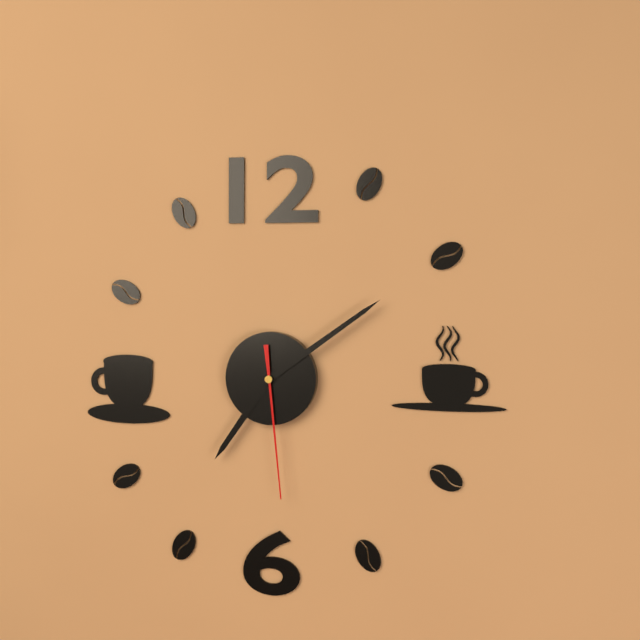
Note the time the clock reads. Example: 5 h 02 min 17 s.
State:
7 h 09 min 29 s
